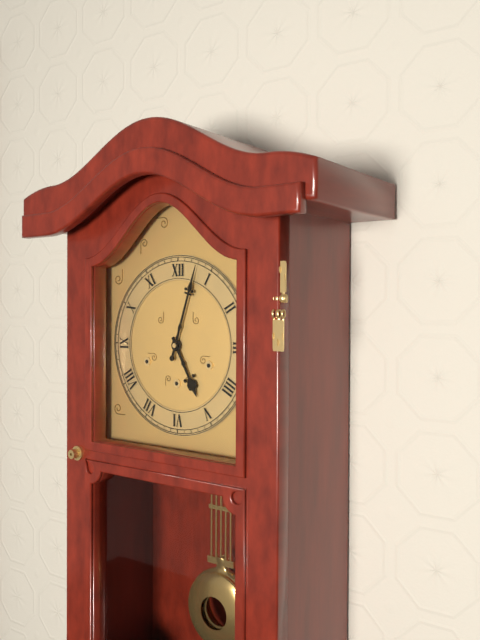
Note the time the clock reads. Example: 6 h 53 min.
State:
5 h 03 min
